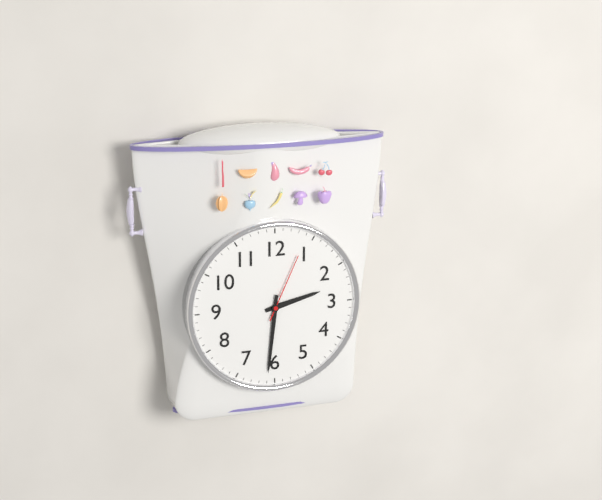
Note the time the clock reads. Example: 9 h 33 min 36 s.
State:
2 h 31 min 04 s
